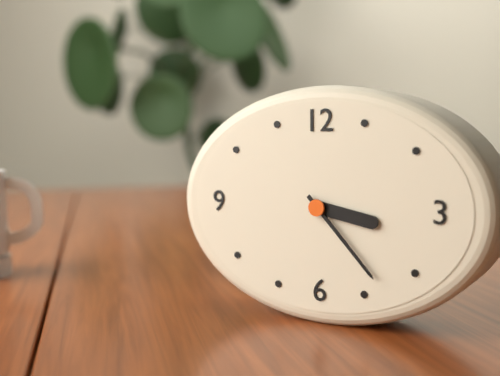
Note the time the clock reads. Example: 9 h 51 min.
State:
3 h 23 min
